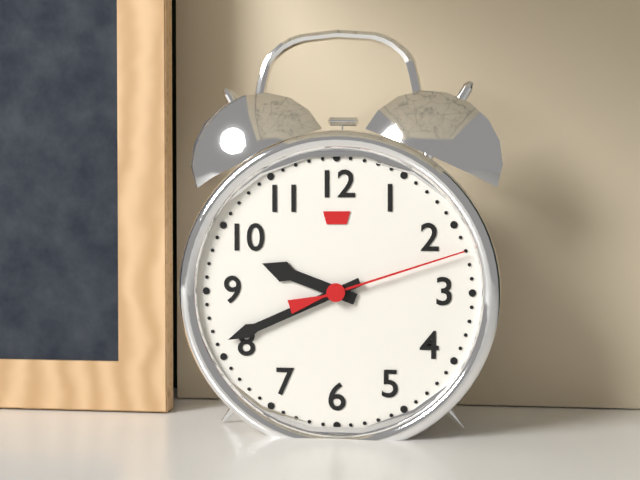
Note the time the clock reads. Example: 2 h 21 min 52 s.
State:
9 h 41 min 12 s
